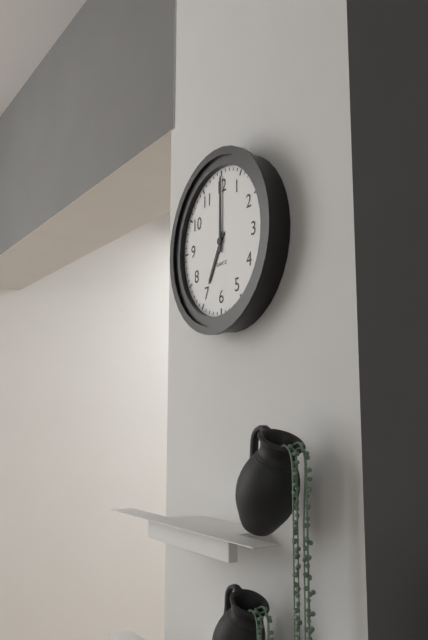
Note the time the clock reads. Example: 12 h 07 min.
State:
7 h 00 min
